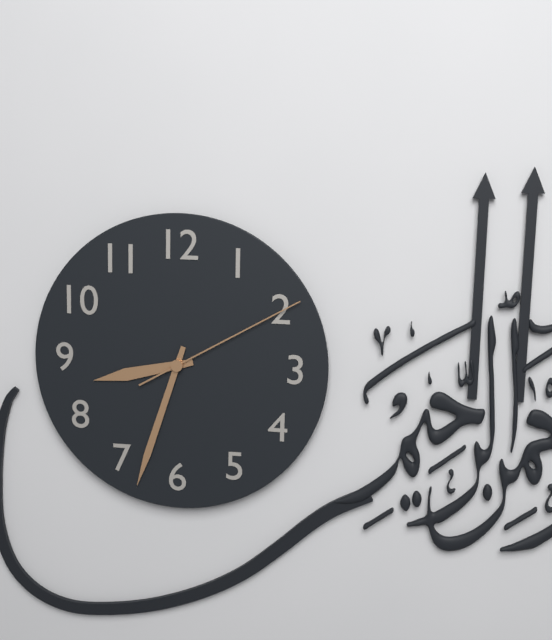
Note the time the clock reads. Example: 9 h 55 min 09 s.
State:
8 h 33 min 10 s
